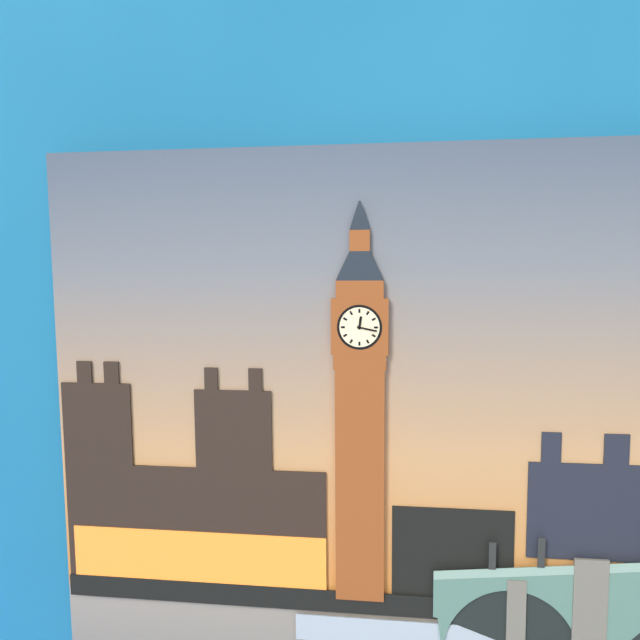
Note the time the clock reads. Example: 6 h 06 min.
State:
12 h 17 min
